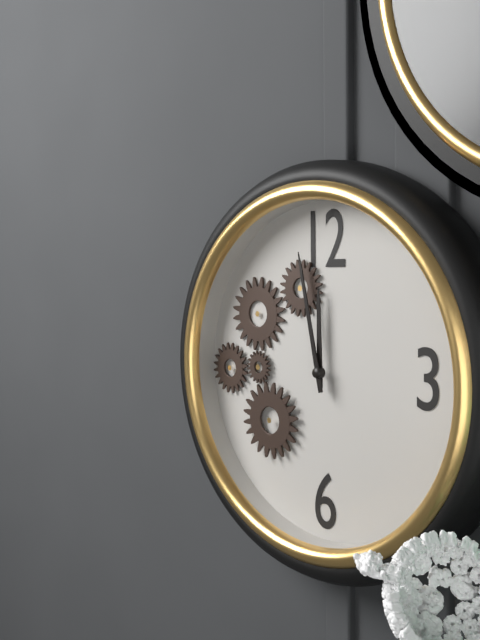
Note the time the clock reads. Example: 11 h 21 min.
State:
11 h 58 min
